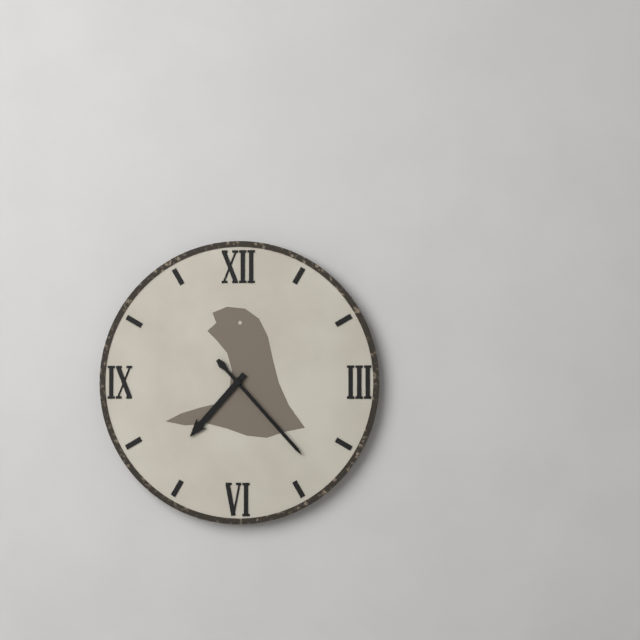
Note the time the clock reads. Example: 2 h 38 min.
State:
7 h 23 min
